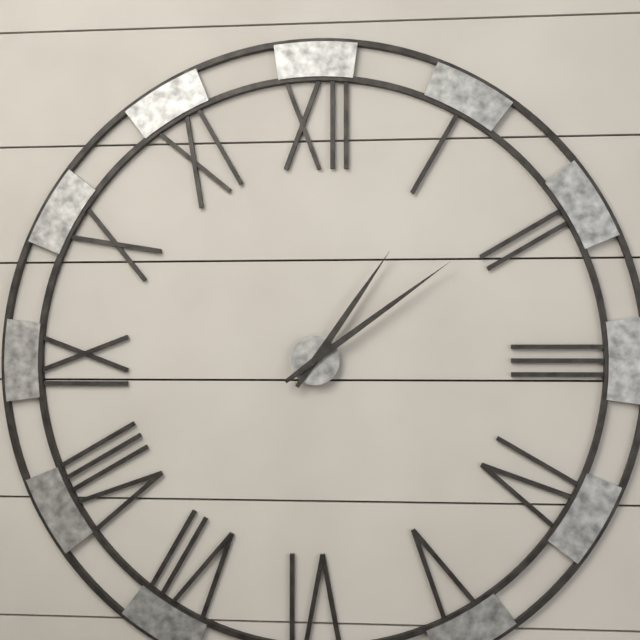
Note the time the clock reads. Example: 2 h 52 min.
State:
1 h 09 min
